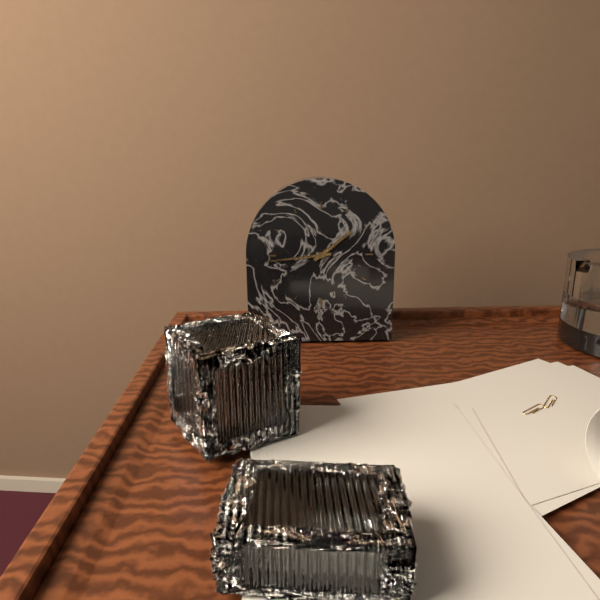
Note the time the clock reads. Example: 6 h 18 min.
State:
1 h 44 min
